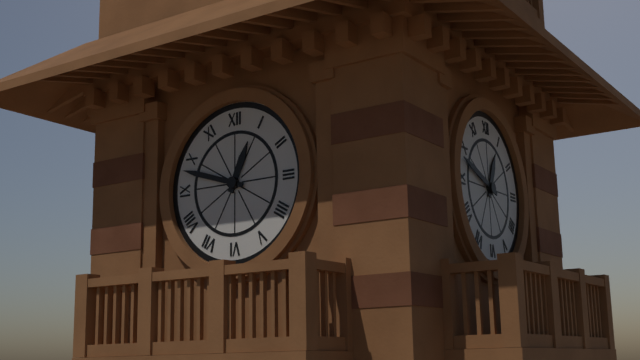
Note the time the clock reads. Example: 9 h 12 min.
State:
12 h 48 min
